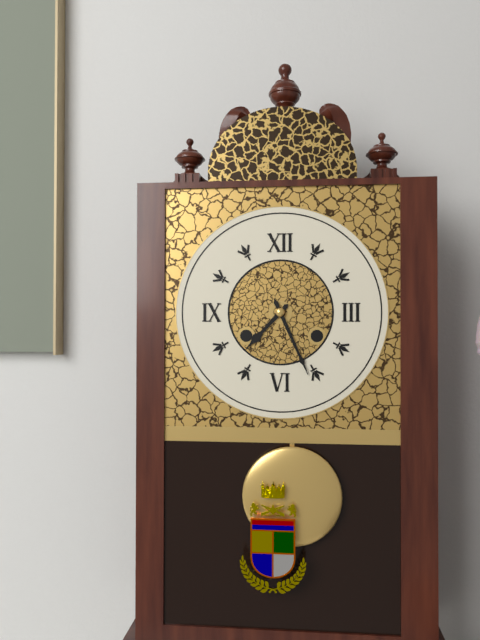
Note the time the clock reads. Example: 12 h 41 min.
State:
7 h 26 min
